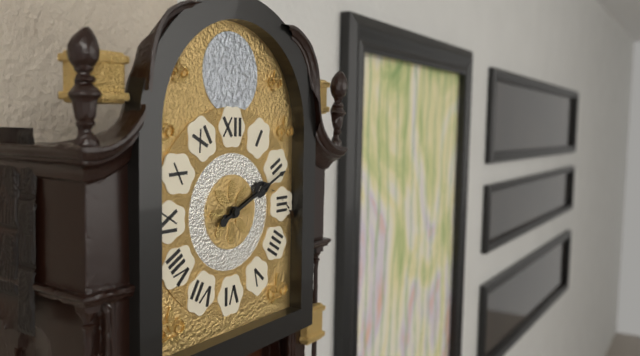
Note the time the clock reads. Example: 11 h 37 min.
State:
2 h 11 min
